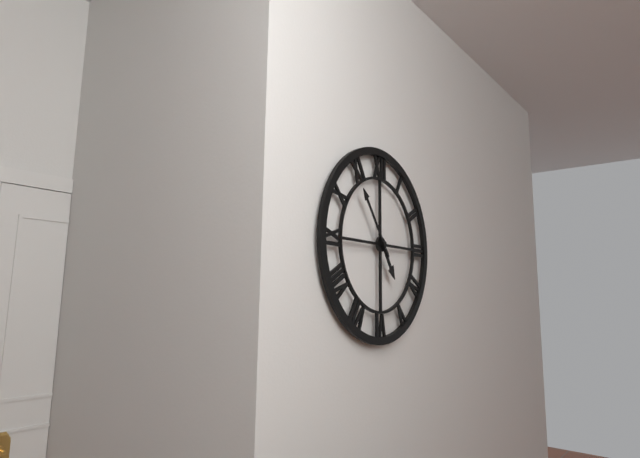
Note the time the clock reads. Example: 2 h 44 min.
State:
4 h 54 min
